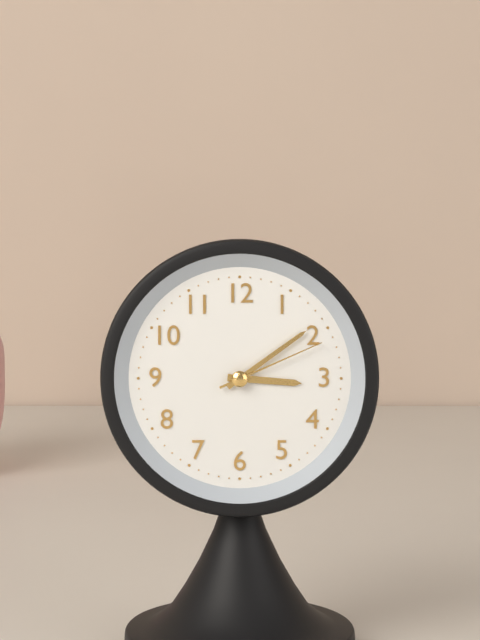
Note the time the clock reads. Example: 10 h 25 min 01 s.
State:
3 h 09 min 11 s
